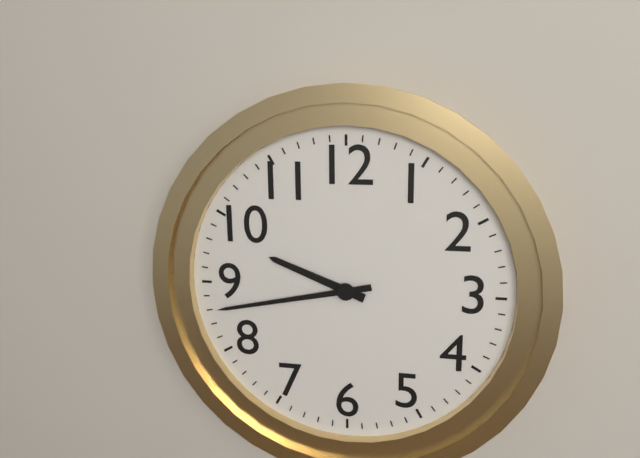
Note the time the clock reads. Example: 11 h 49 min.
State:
9 h 43 min
